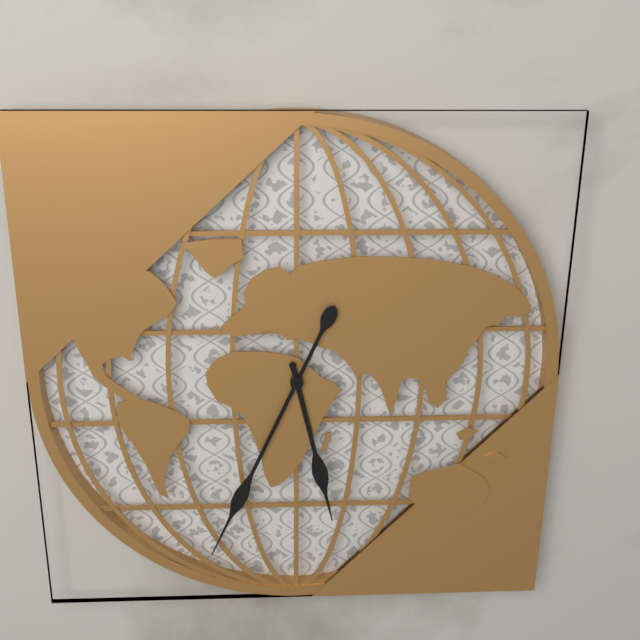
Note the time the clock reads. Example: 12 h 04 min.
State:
5 h 34 min
